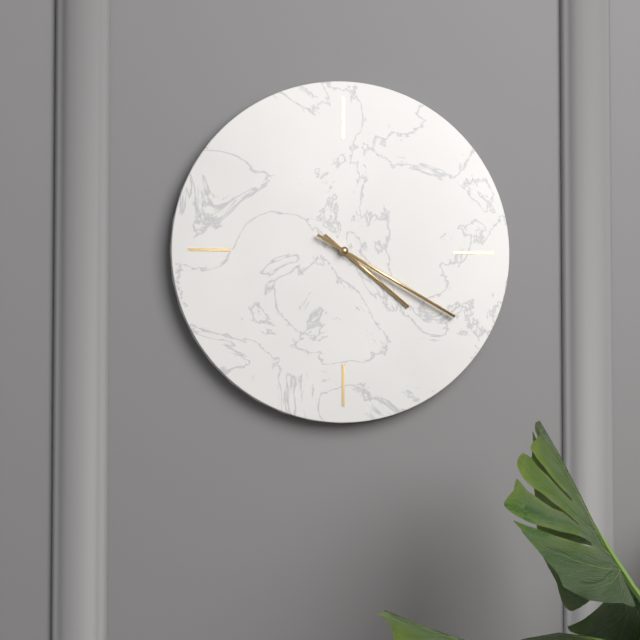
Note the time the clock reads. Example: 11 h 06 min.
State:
4 h 20 min
